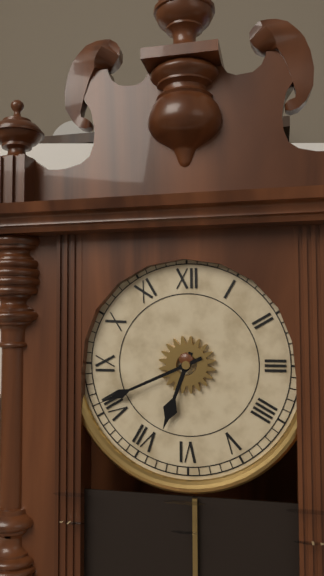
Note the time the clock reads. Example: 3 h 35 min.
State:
6 h 41 min
